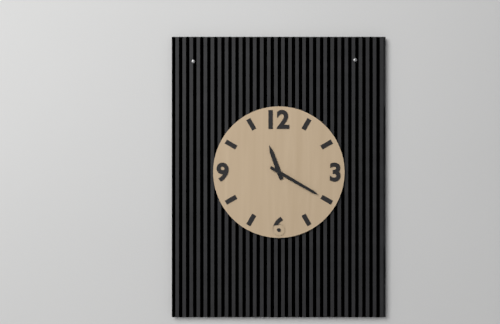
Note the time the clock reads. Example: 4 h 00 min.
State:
11 h 20 min
